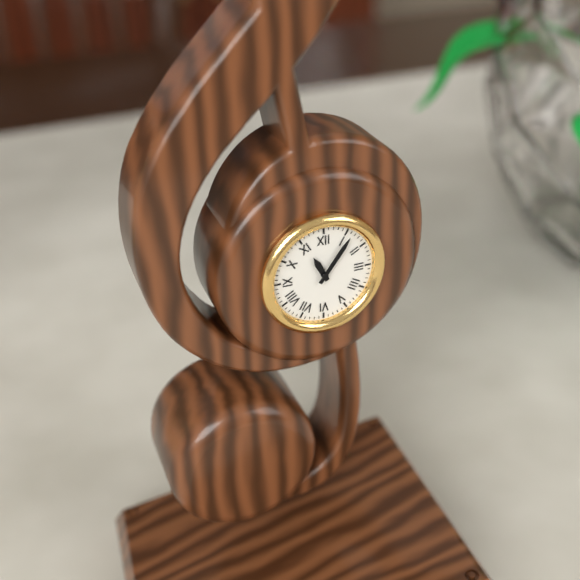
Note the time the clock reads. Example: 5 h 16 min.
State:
11 h 06 min
